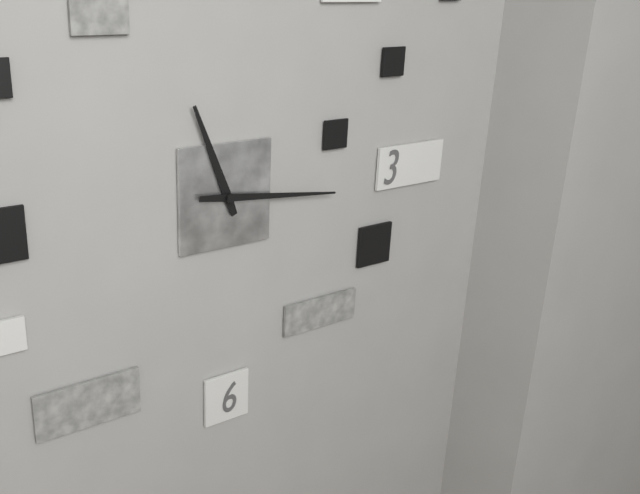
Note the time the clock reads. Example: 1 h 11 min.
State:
11 h 16 min
